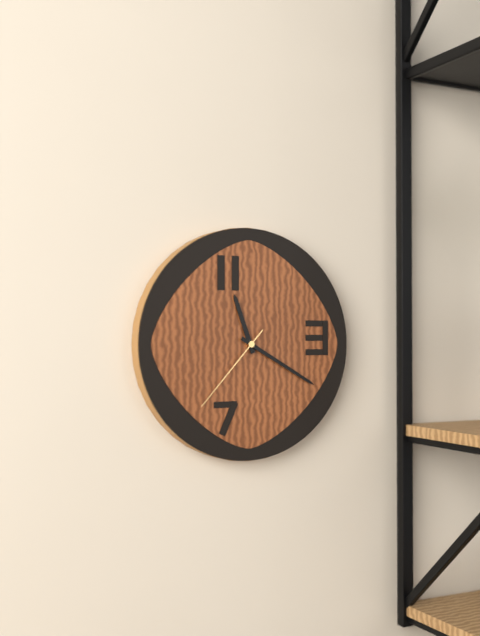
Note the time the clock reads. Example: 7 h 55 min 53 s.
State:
11 h 20 min 37 s
